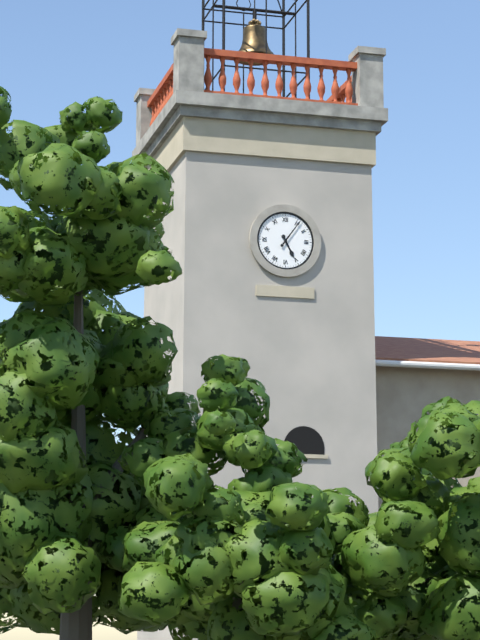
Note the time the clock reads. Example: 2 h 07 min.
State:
5 h 06 min
